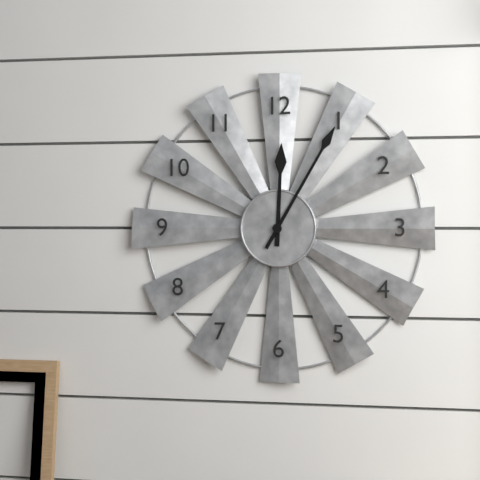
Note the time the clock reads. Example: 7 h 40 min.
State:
12 h 05 min
